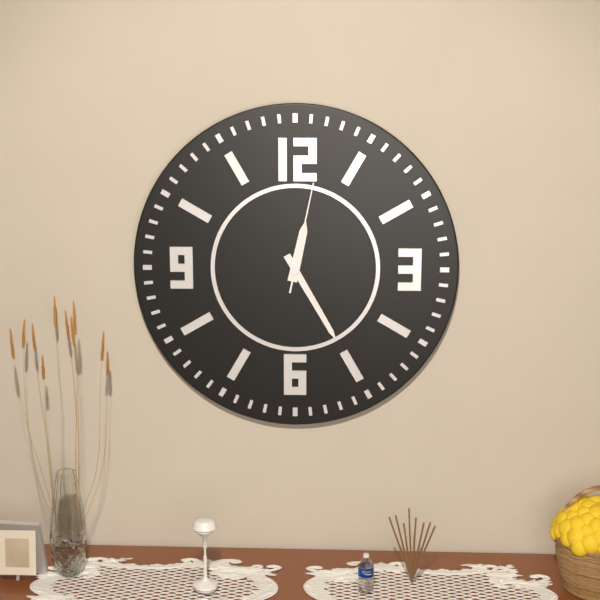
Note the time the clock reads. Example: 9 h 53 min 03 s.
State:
12 h 25 min 02 s
